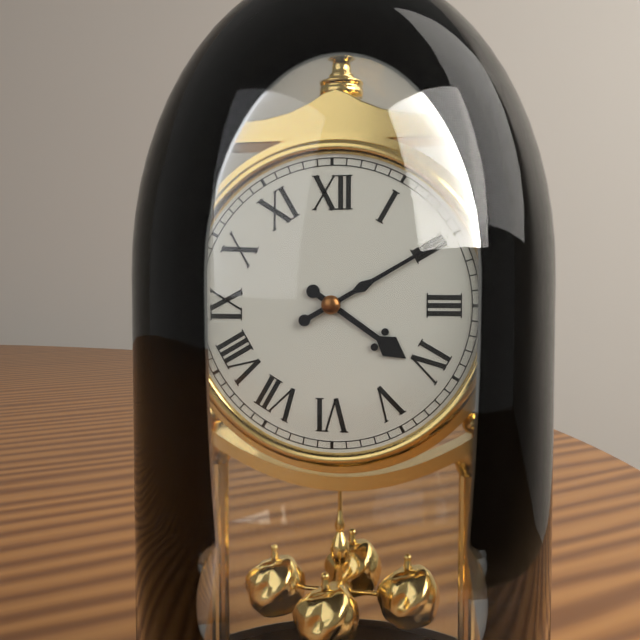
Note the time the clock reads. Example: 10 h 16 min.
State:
4 h 10 min
